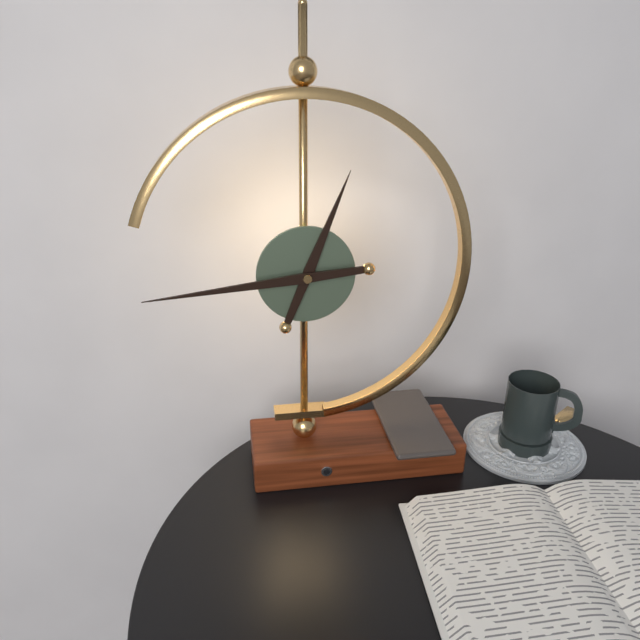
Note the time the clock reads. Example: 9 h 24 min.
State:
12 h 44 min
